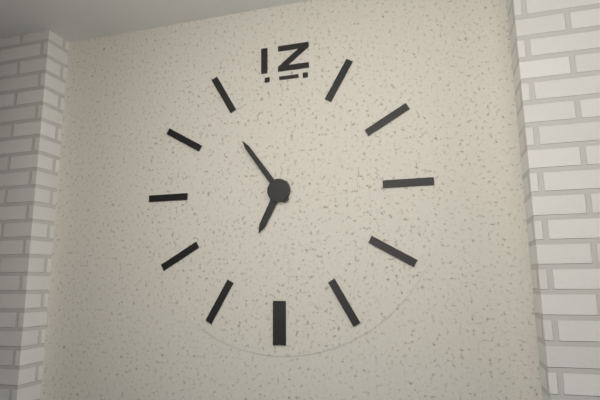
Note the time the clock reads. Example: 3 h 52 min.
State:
6 h 54 min
